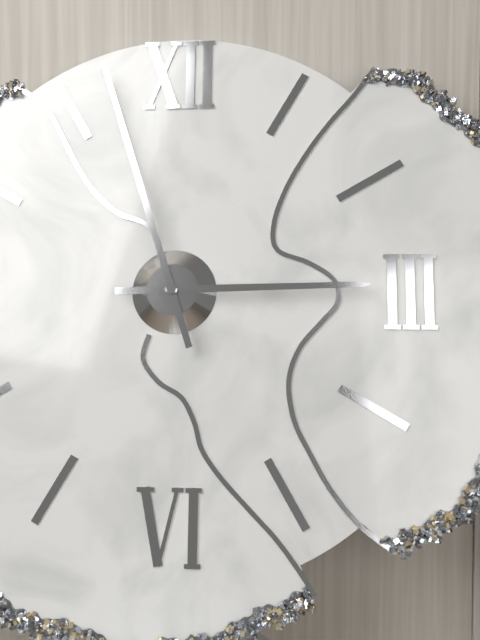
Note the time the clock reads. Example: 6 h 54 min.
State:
2 h 57 min
